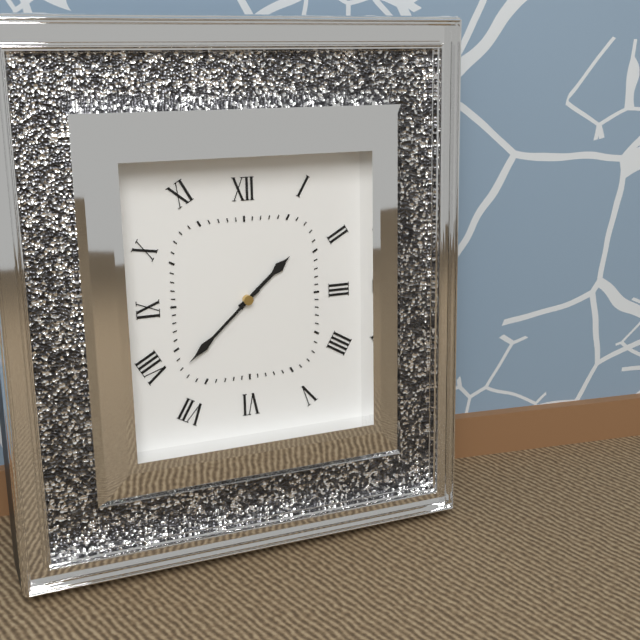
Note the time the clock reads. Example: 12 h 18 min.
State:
1 h 38 min
